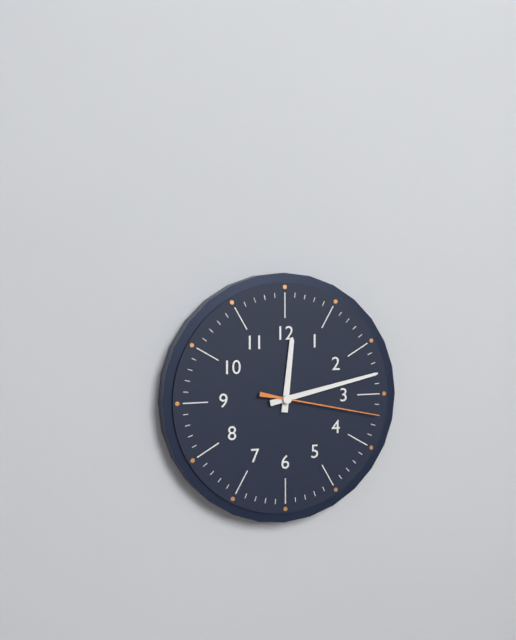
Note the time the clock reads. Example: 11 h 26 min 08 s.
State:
12 h 13 min 17 s
